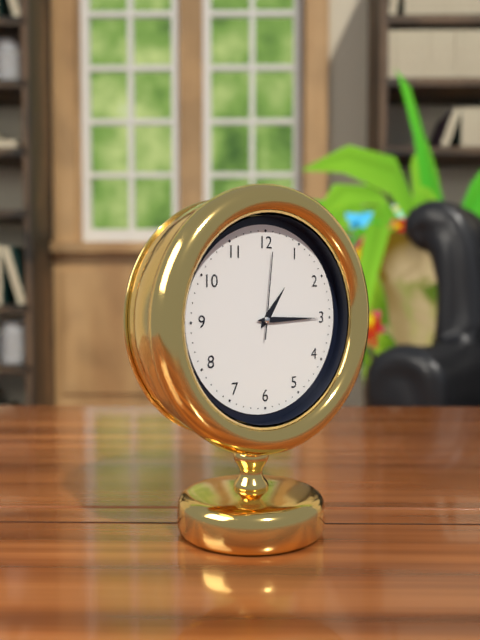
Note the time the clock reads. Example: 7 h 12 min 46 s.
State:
1 h 15 min 01 s
